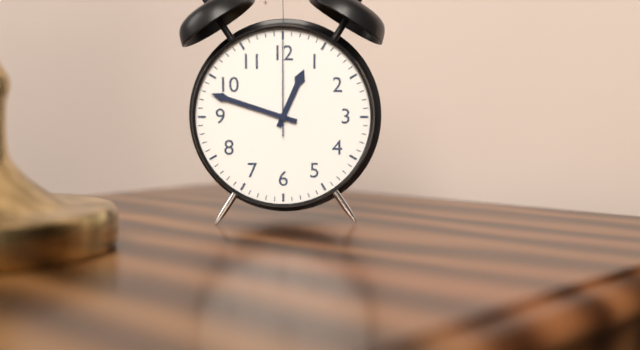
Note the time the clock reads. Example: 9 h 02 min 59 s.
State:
12 h 48 min 00 s
